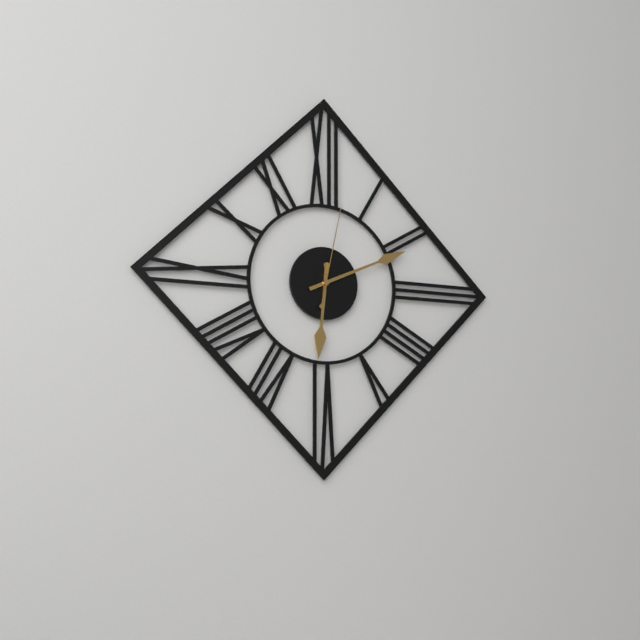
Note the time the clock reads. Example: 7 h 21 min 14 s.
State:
6 h 11 min 02 s
